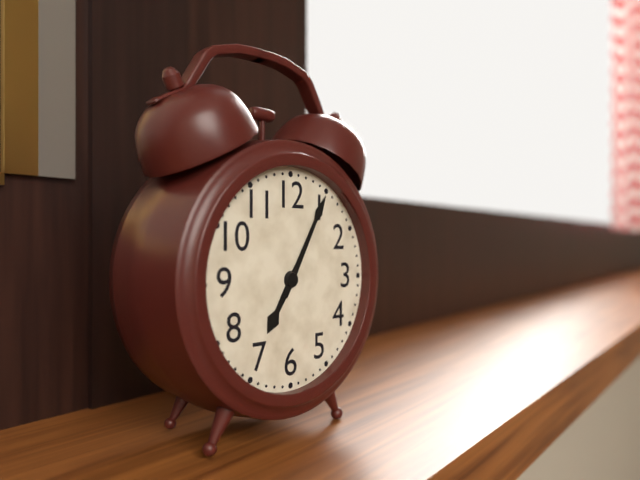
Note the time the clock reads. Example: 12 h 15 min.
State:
7 h 05 min
